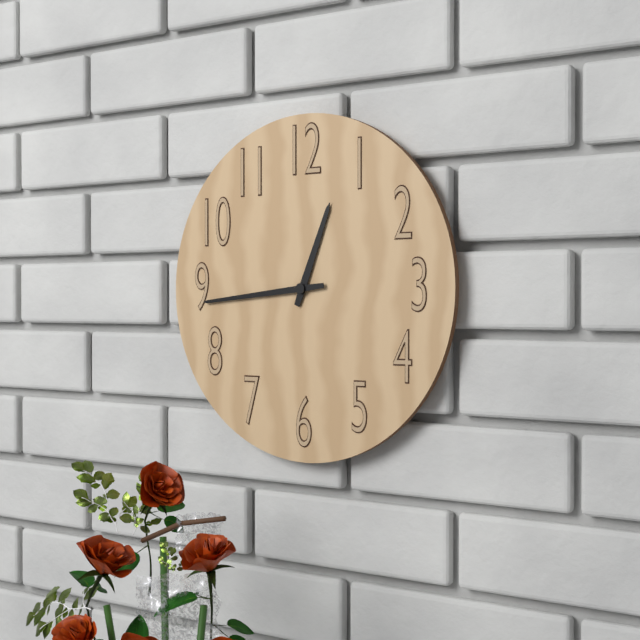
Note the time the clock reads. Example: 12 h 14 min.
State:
12 h 44 min
